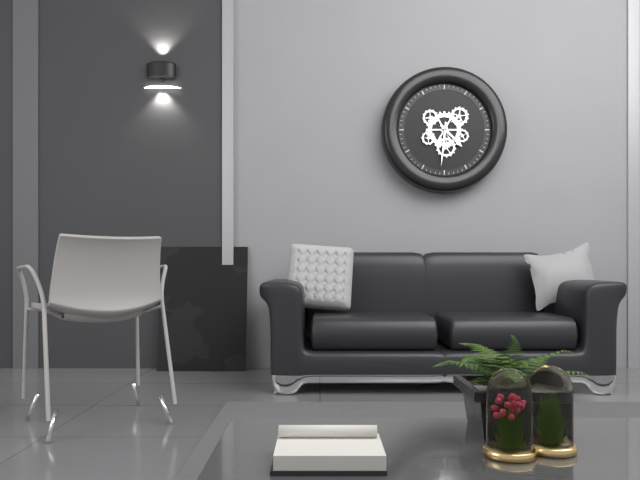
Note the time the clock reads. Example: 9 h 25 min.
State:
4 h 31 min
